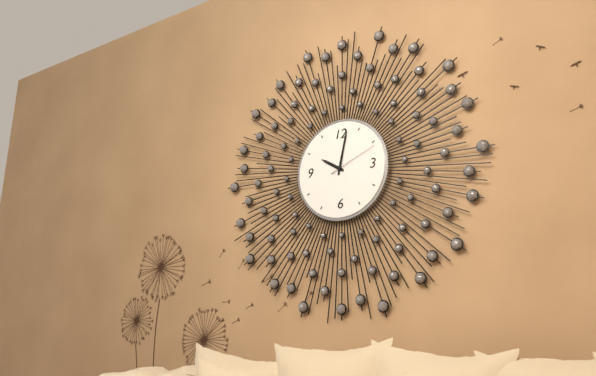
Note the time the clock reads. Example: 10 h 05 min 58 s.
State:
10 h 02 min 11 s
